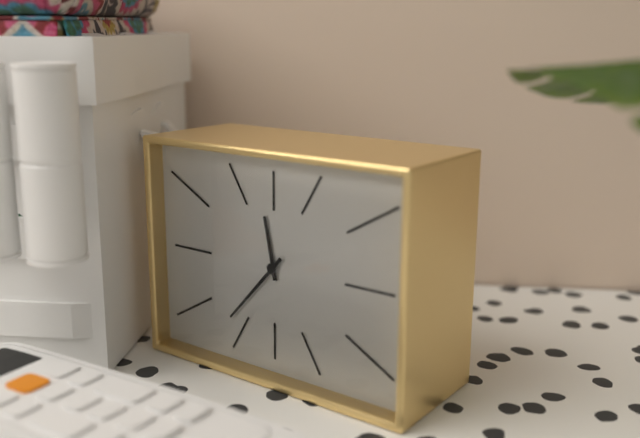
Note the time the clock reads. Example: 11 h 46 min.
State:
11 h 37 min
